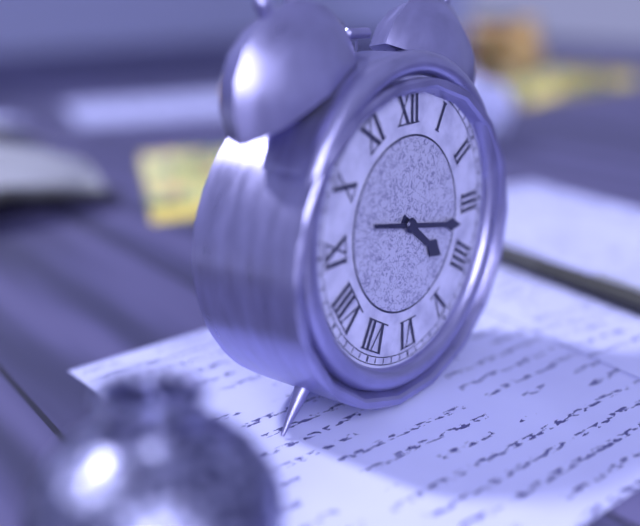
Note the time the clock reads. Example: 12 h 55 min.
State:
4 h 17 min
